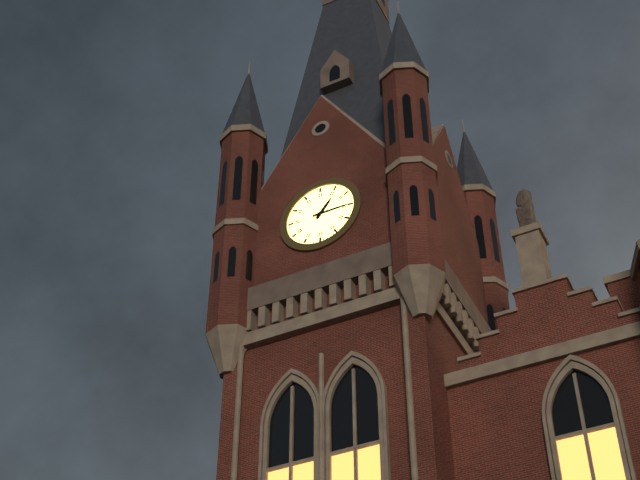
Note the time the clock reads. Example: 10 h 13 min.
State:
1 h 15 min
